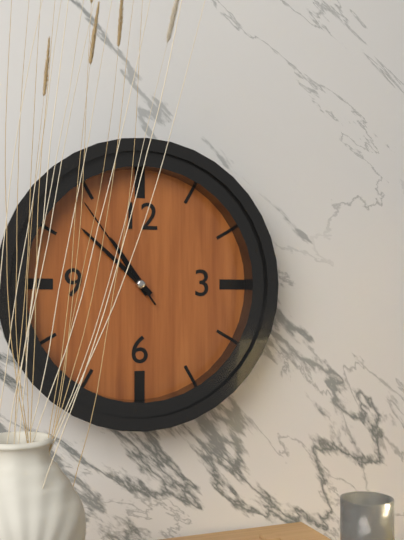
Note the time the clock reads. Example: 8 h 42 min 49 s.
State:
10 h 52 min 54 s
